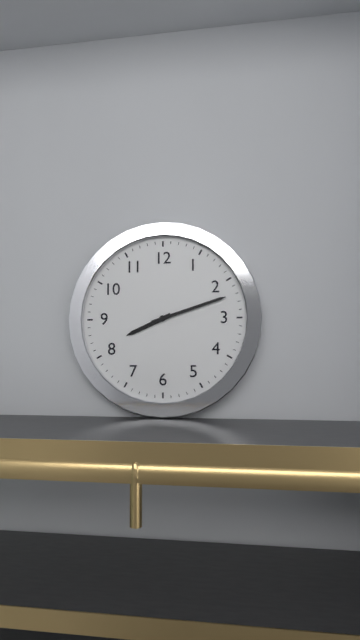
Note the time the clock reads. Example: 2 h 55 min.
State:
8 h 12 min
